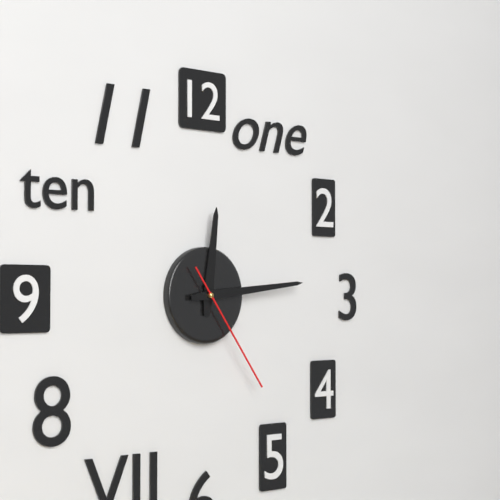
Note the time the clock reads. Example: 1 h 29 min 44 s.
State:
12 h 14 min 24 s
